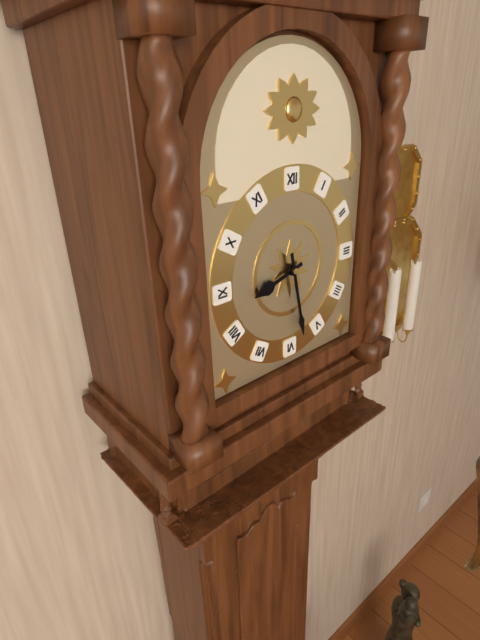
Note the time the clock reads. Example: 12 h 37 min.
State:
8 h 28 min
